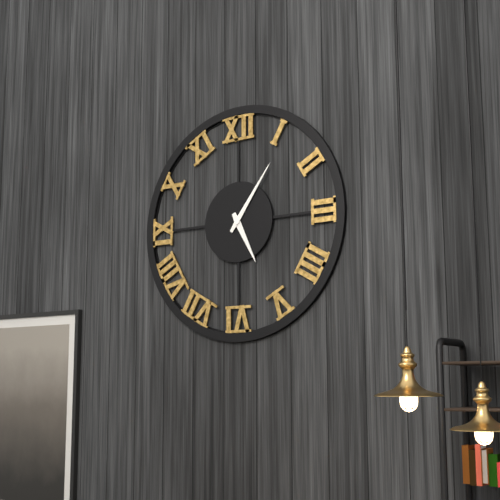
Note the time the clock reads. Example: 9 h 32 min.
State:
5 h 06 min
